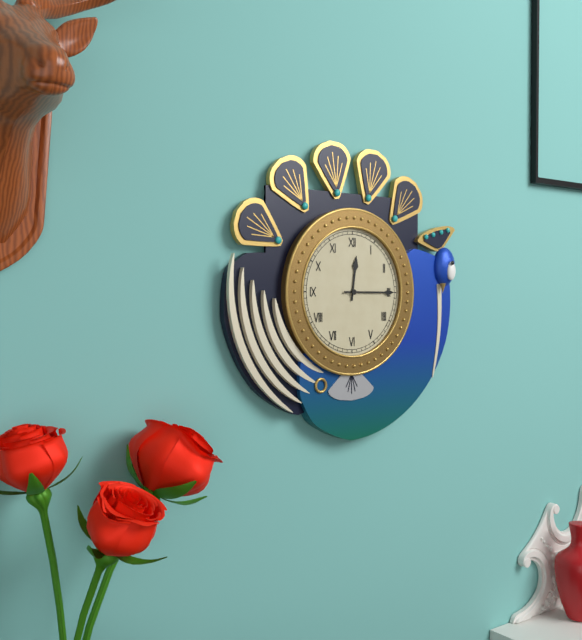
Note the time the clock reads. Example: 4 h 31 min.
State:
12 h 15 min
